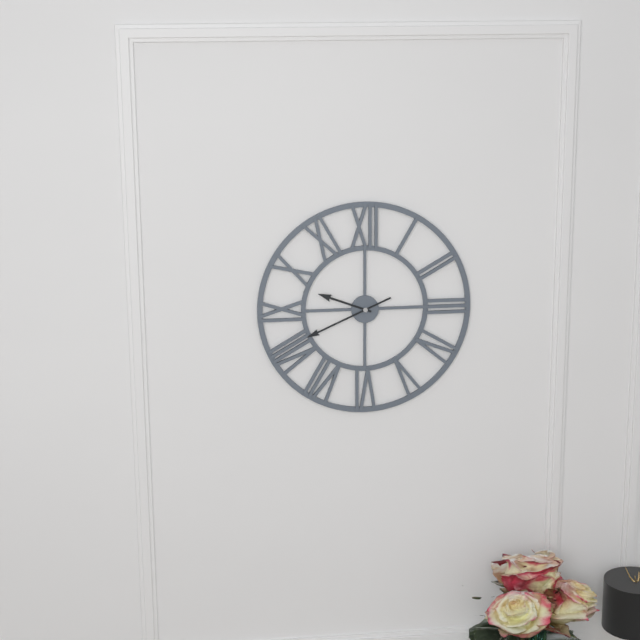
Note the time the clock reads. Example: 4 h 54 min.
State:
9 h 41 min
